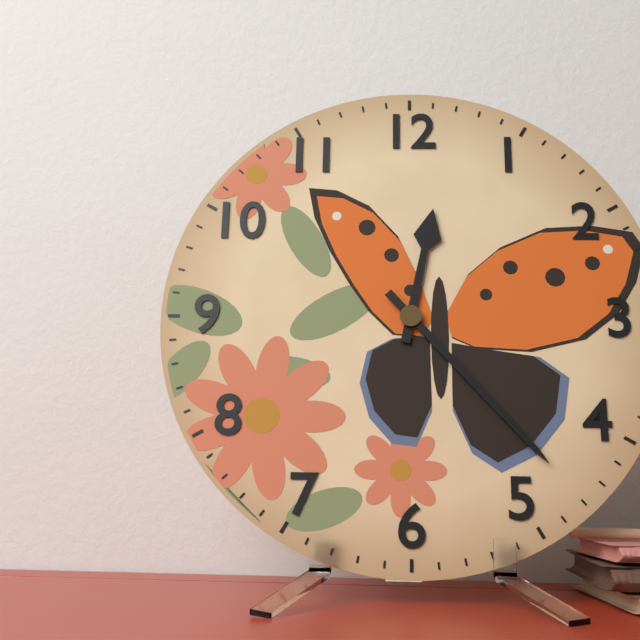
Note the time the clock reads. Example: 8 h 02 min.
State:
12 h 23 min
